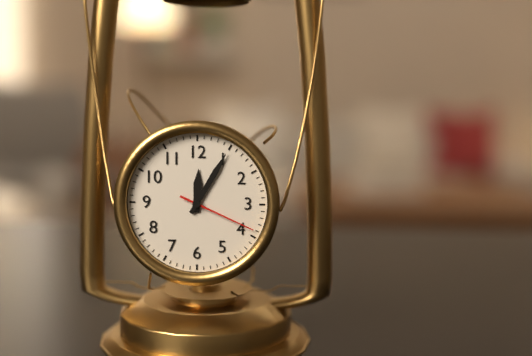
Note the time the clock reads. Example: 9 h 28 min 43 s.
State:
12 h 05 min 19 s
